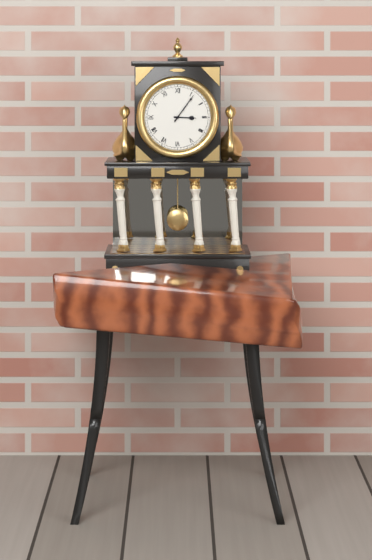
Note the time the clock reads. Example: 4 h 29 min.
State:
3 h 06 min
